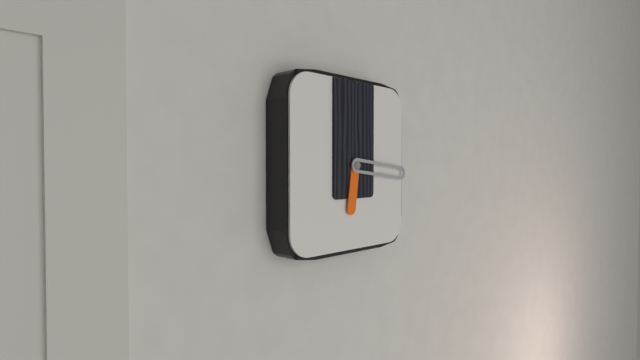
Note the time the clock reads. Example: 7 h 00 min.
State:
6 h 16 min
